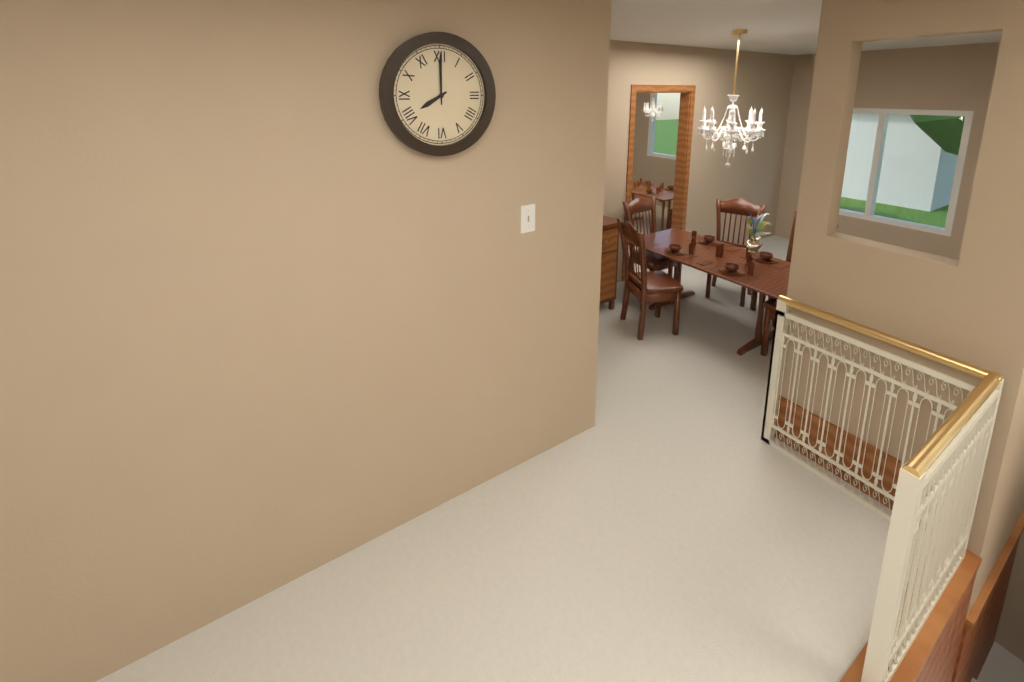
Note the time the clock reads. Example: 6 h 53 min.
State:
8 h 00 min
